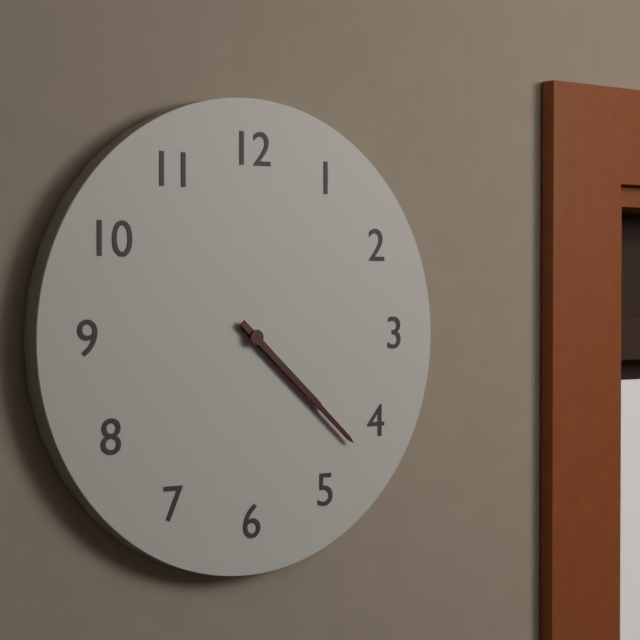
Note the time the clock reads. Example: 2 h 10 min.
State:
4 h 22 min
